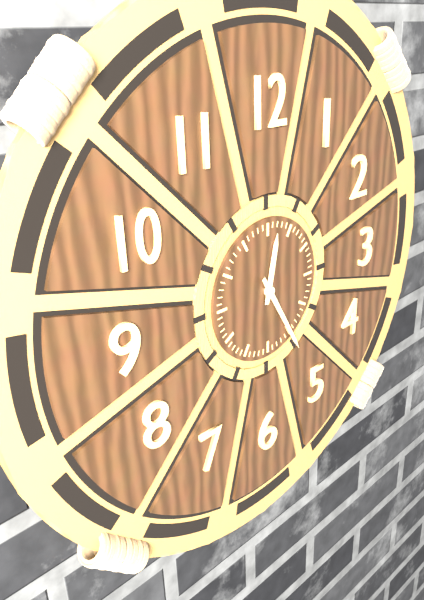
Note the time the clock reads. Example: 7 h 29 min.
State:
12 h 25 min
